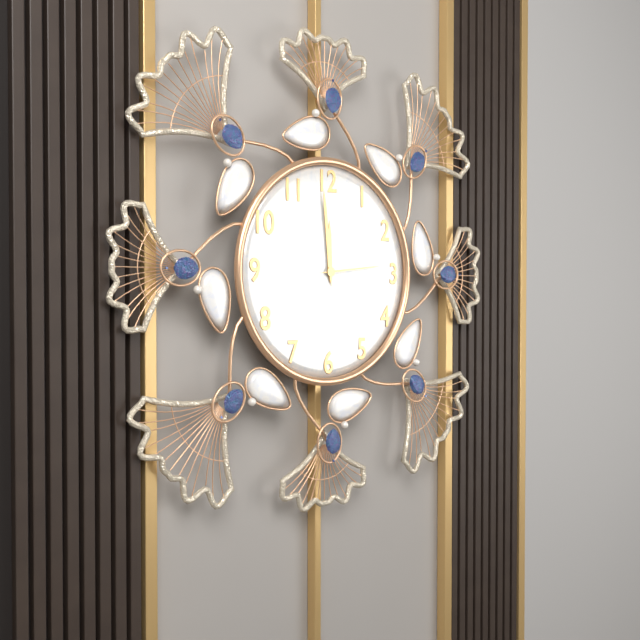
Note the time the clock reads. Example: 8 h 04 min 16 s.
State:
11 h 59 min 14 s
